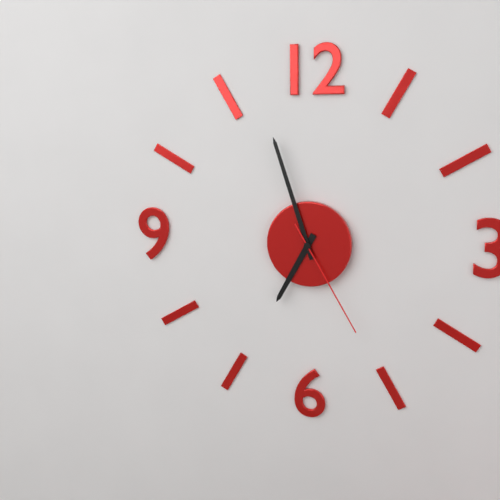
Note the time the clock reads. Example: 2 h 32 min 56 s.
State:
6 h 57 min 25 s
